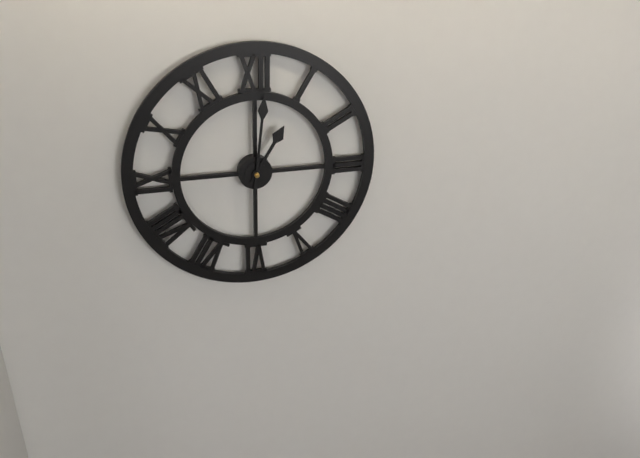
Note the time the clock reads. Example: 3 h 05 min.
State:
1 h 01 min
